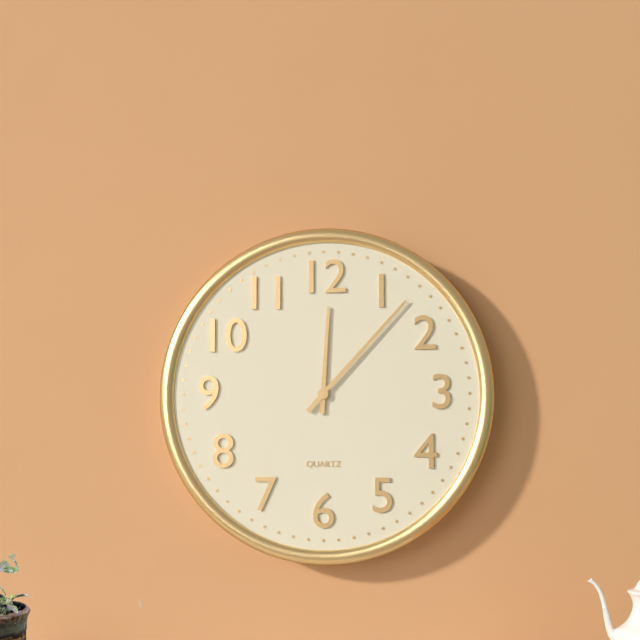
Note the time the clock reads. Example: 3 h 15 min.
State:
12 h 07 min
